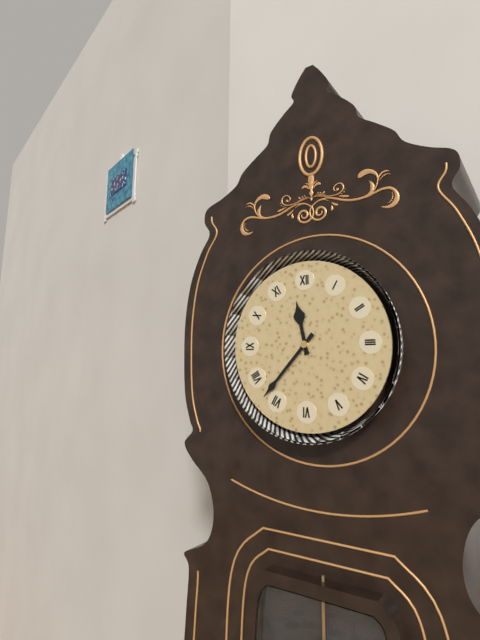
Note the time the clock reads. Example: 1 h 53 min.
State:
11 h 37 min
